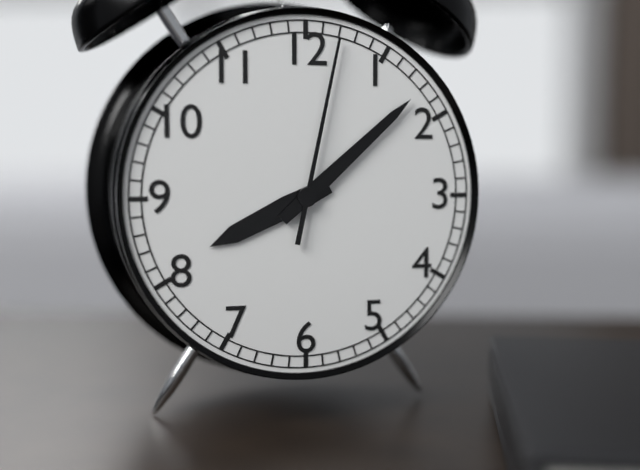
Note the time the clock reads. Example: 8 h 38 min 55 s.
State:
8 h 08 min 02 s
